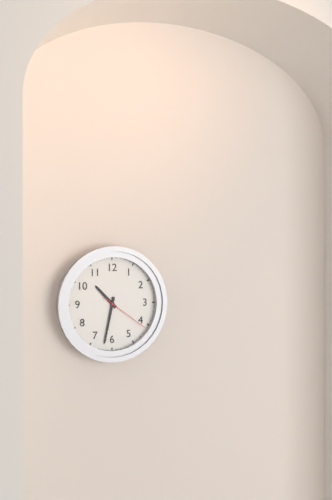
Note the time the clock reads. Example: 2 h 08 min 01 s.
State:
10 h 32 min 21 s
